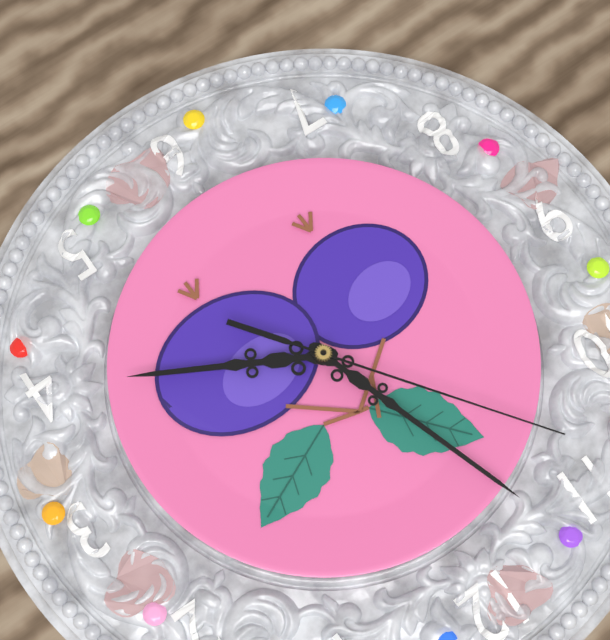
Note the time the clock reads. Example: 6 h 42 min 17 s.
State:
3 h 57 min 54 s
